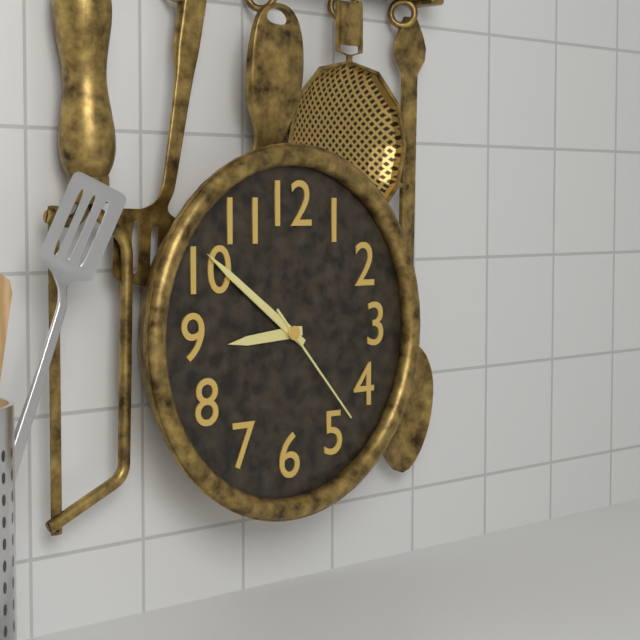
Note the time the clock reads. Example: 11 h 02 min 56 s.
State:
8 h 51 min 23 s
